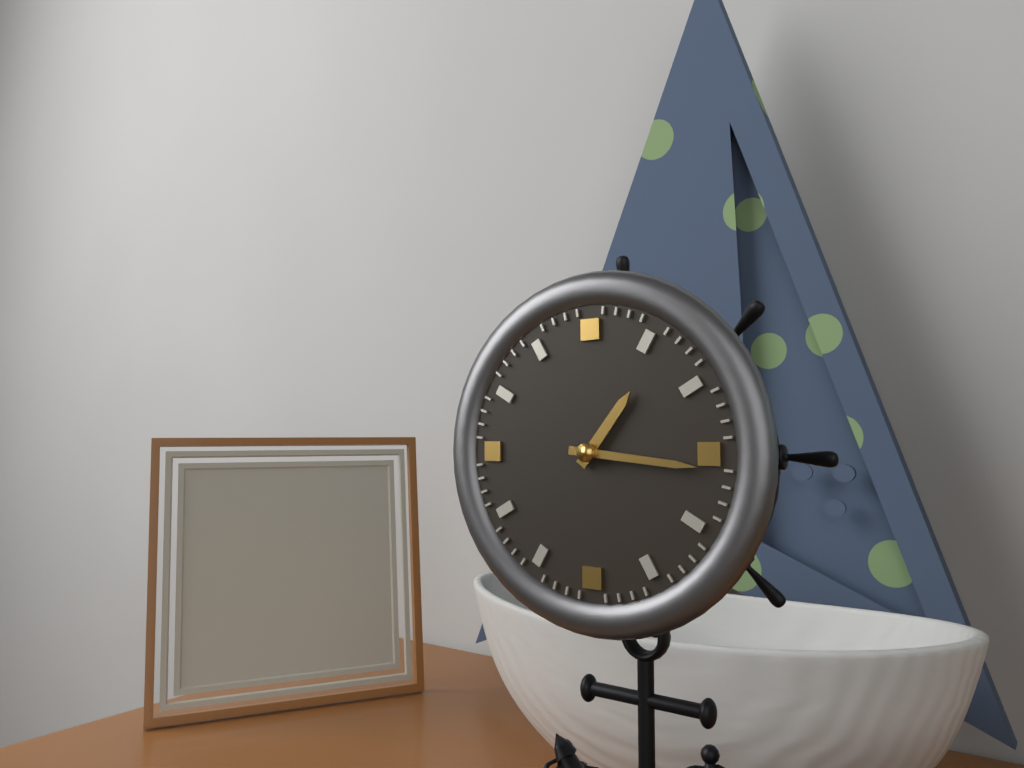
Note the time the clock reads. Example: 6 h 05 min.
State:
1 h 16 min
